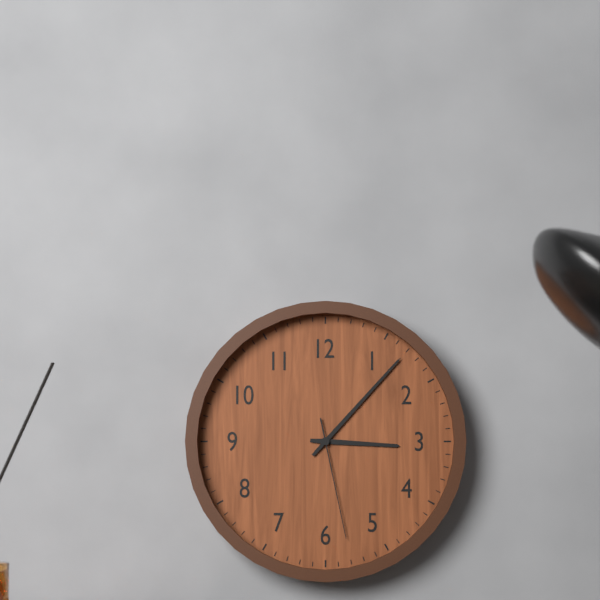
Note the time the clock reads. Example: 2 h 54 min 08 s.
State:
3 h 07 min 28 s
